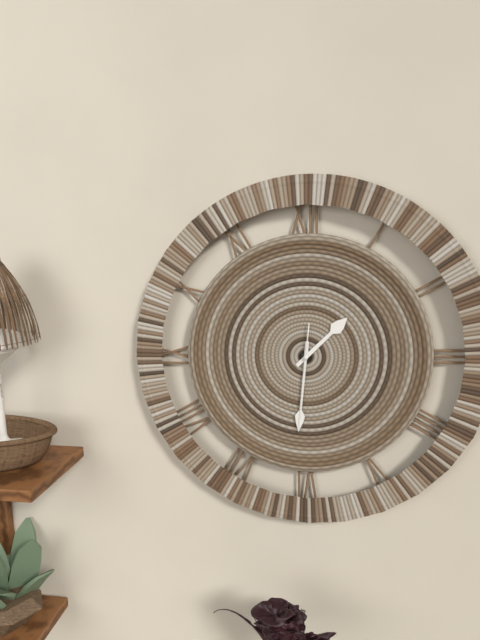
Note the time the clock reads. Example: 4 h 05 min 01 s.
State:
1 h 31 min 31 s
